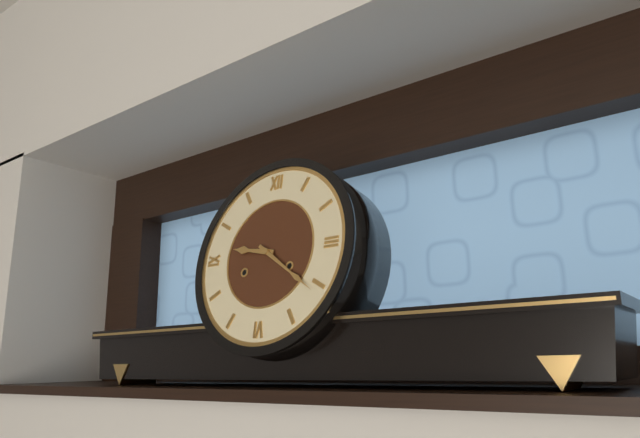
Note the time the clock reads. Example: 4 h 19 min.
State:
9 h 21 min
